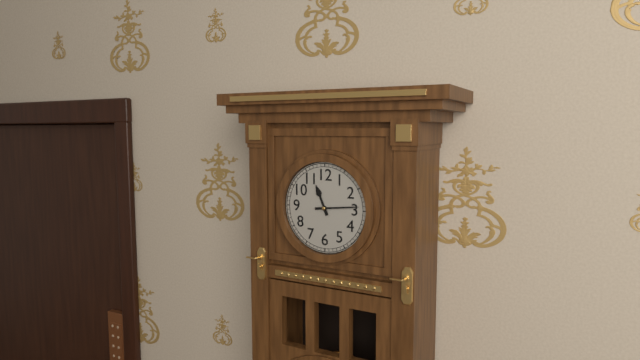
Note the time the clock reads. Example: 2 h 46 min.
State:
11 h 14 min
